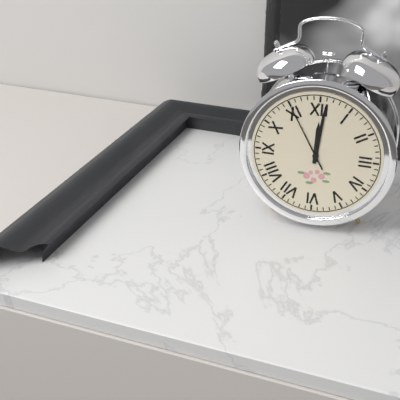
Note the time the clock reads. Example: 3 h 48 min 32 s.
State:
12 h 01 min 55 s
